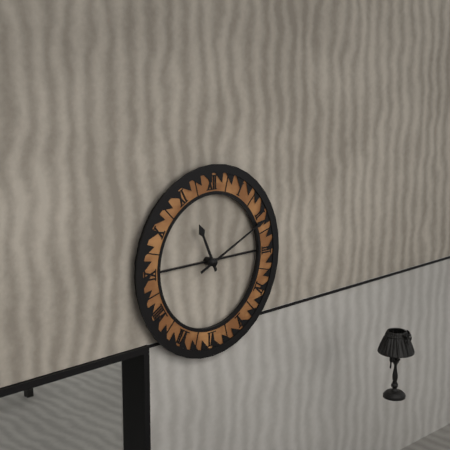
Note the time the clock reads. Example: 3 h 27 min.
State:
11 h 11 min
